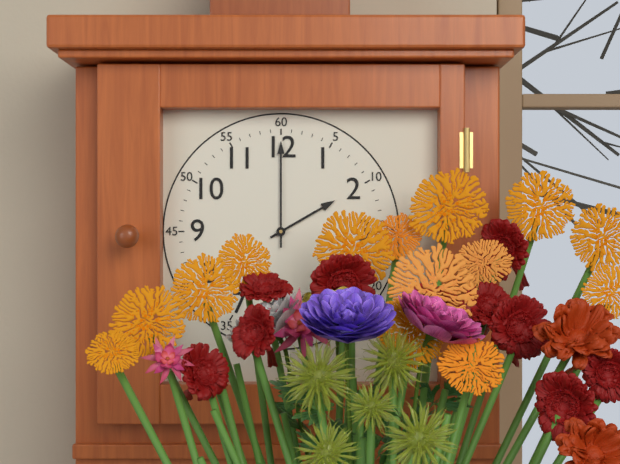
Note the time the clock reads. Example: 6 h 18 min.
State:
2 h 00 min
